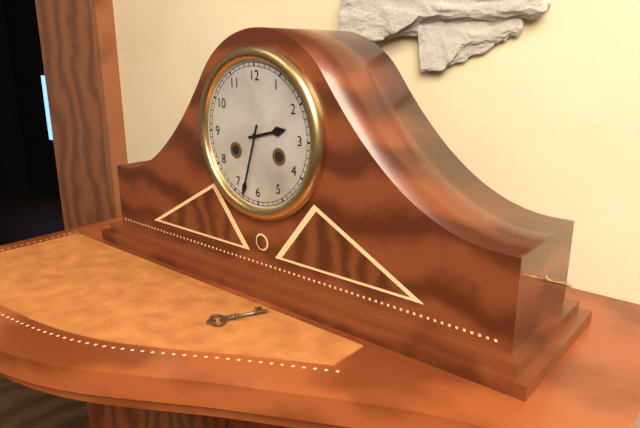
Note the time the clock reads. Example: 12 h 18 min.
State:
2 h 33 min
